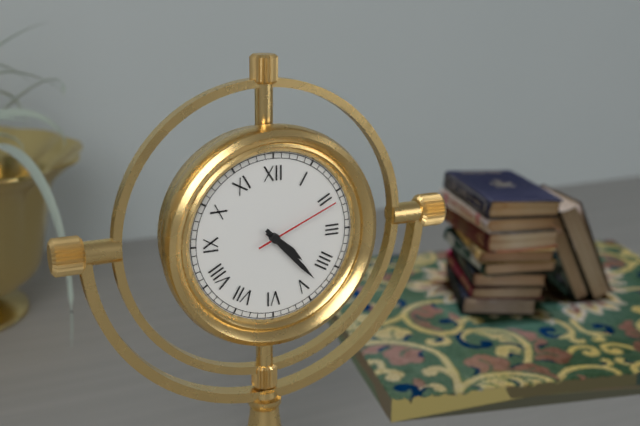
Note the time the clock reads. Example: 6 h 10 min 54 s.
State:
4 h 23 min 11 s
